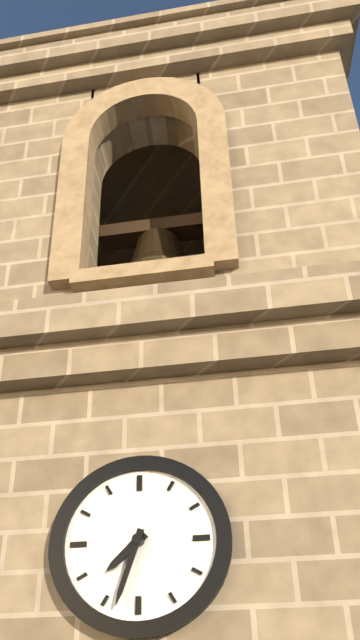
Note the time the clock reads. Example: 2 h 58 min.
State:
7 h 33 min
